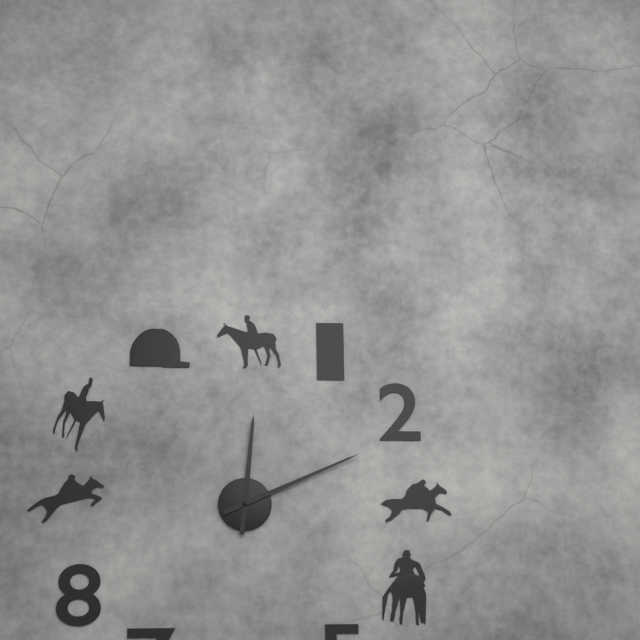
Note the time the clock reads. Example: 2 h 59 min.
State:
12 h 11 min
